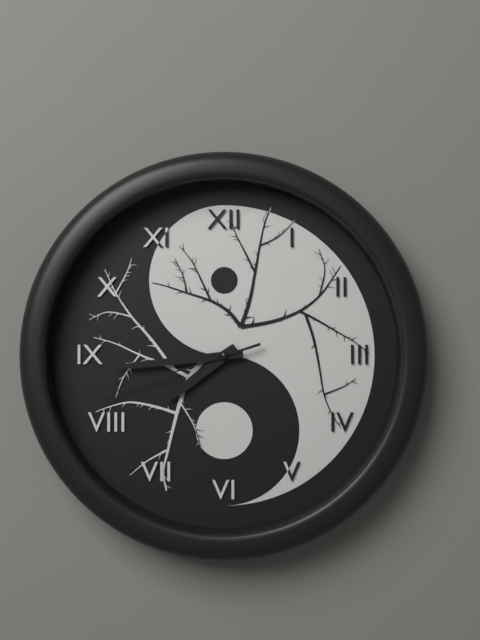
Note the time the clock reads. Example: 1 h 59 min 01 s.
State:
7 h 44 min 42 s
